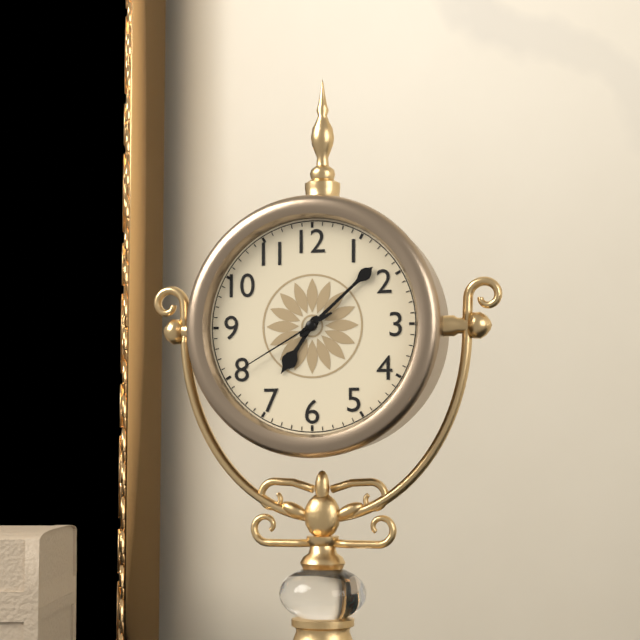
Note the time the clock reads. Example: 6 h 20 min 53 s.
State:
7 h 08 min 40 s
